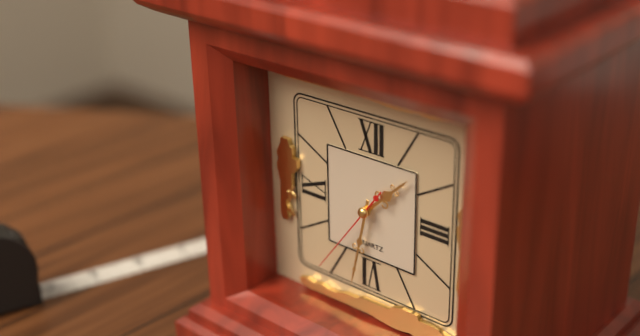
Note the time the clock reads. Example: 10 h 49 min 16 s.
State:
1 h 32 min 36 s
